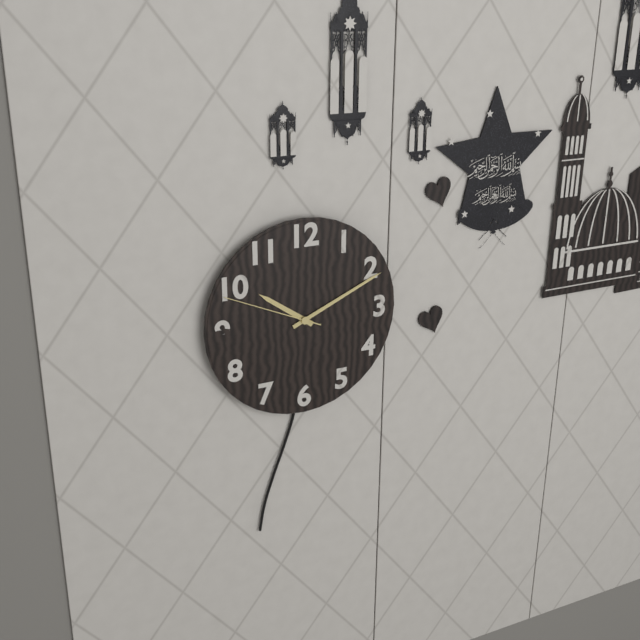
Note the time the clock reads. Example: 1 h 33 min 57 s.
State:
10 h 11 min 49 s
